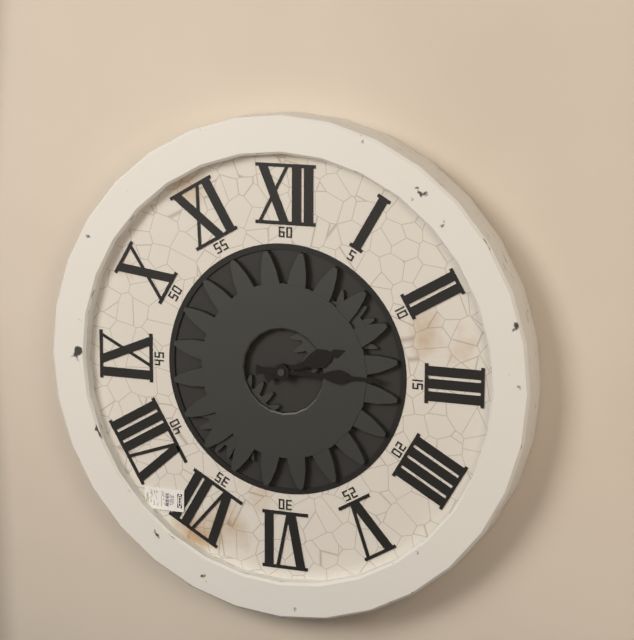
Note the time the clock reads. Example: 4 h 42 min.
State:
2 h 15 min
